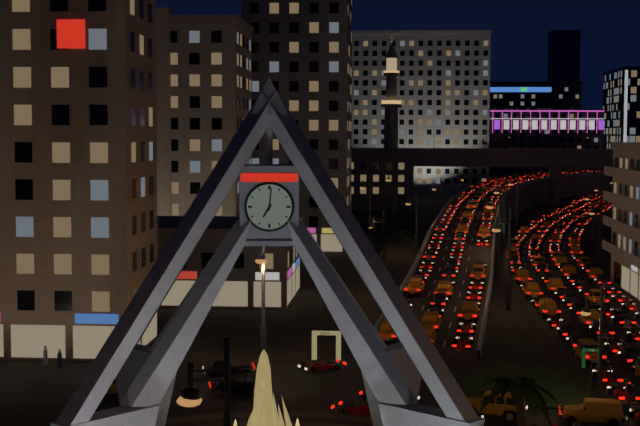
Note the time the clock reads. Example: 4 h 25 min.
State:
7 h 01 min
